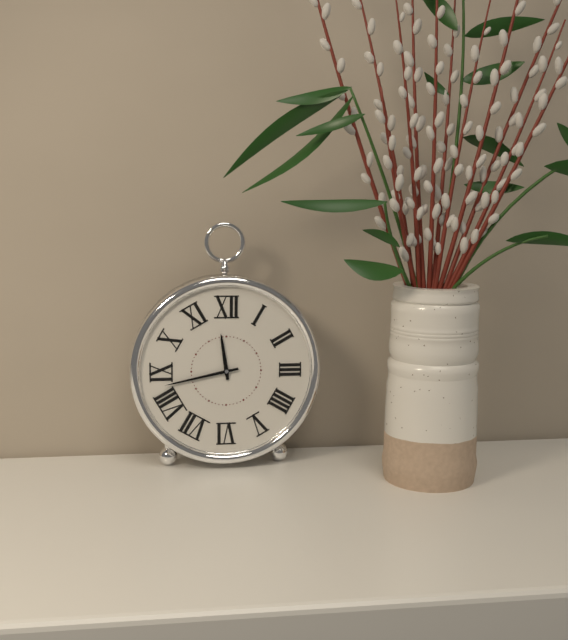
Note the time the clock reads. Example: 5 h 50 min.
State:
11 h 43 min
